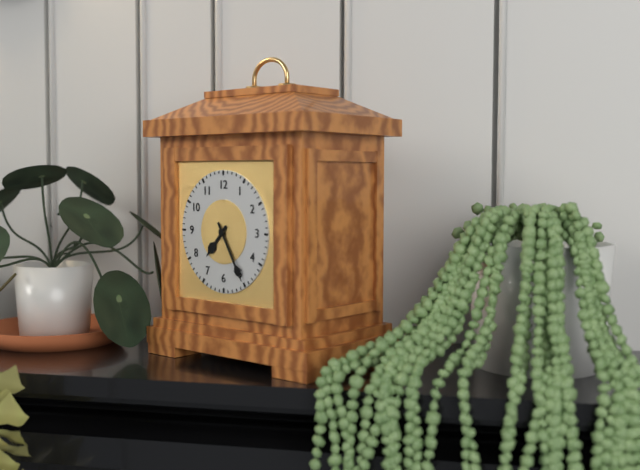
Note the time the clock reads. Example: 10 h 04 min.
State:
7 h 25 min
